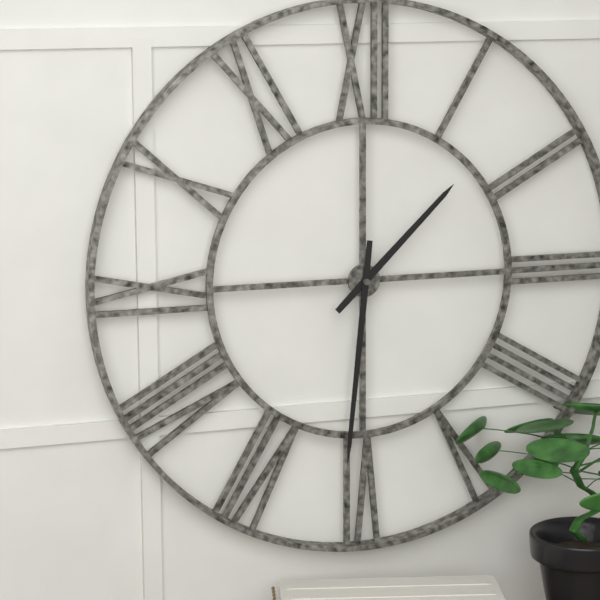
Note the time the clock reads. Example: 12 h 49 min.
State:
1 h 31 min
